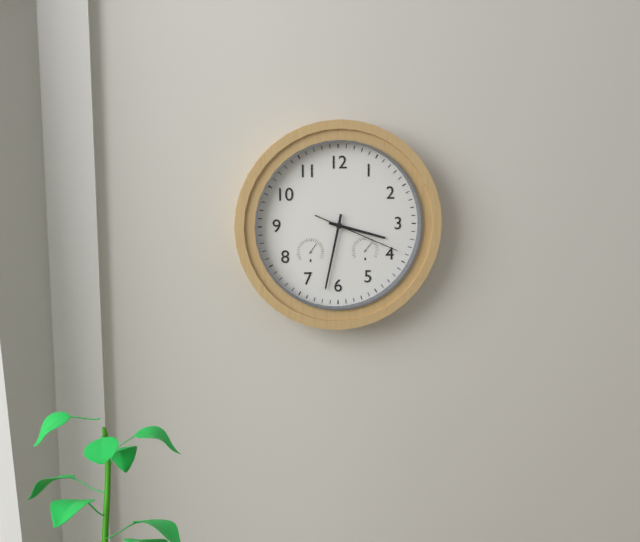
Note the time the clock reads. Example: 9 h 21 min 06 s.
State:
3 h 32 min 19 s
